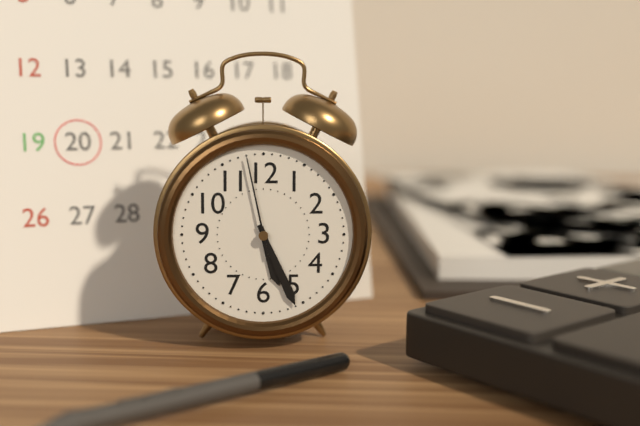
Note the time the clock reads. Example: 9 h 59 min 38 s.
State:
5 h 26 min 58 s
